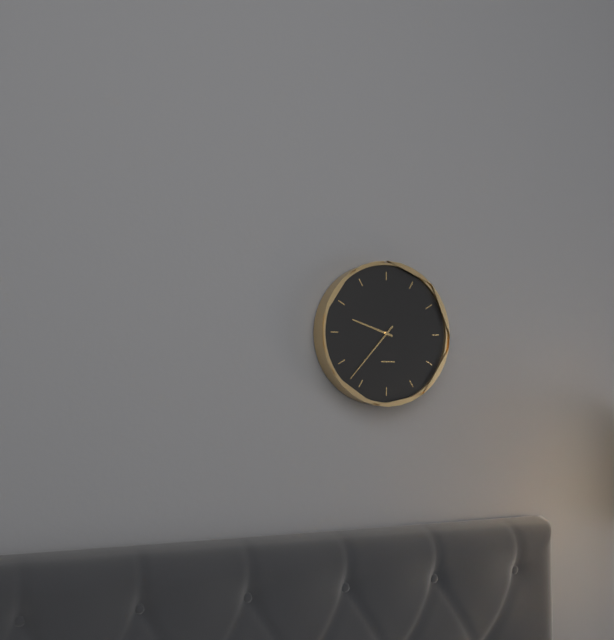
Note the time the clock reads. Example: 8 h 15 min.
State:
9 h 37 min
